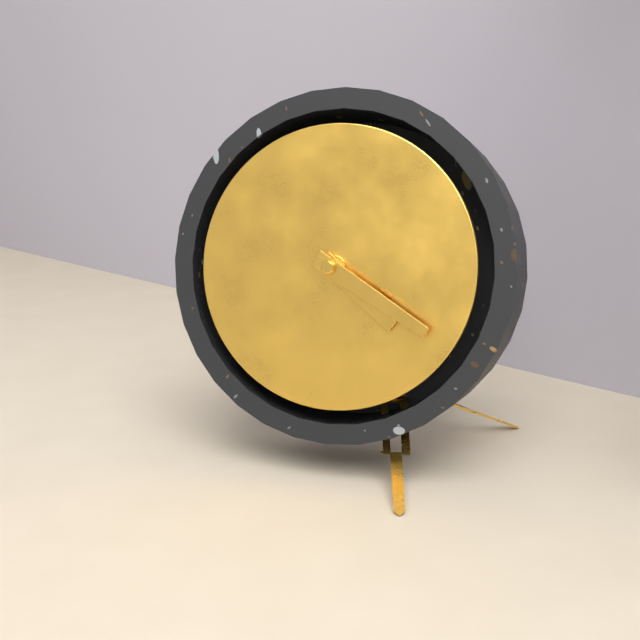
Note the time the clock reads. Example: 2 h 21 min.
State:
4 h 20 min
